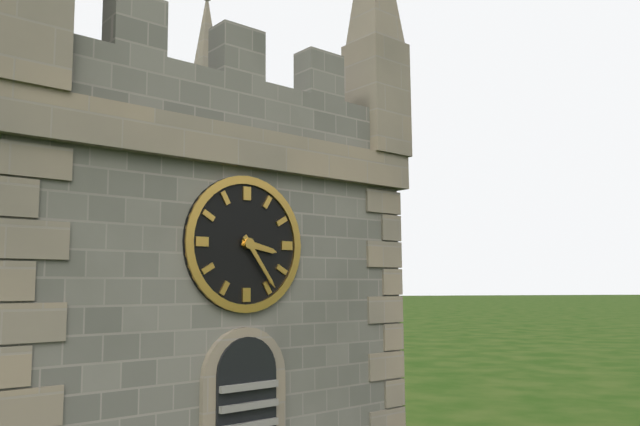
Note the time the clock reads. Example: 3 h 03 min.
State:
3 h 24 min
